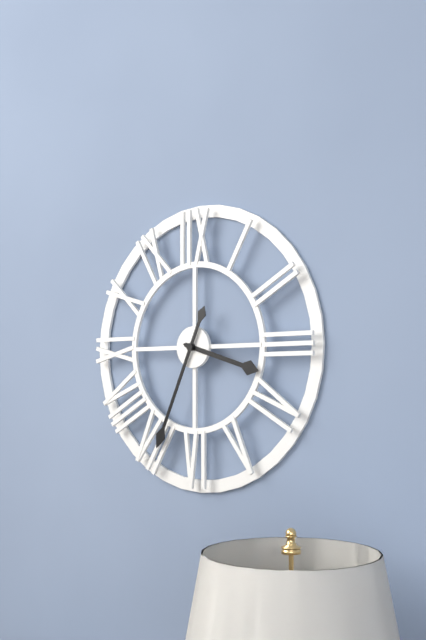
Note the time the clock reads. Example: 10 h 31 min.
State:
3 h 34 min
